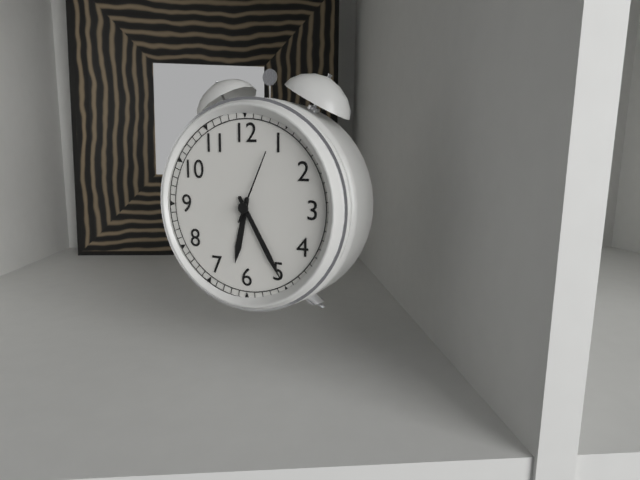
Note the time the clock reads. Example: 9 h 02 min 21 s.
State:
6 h 25 min 04 s
